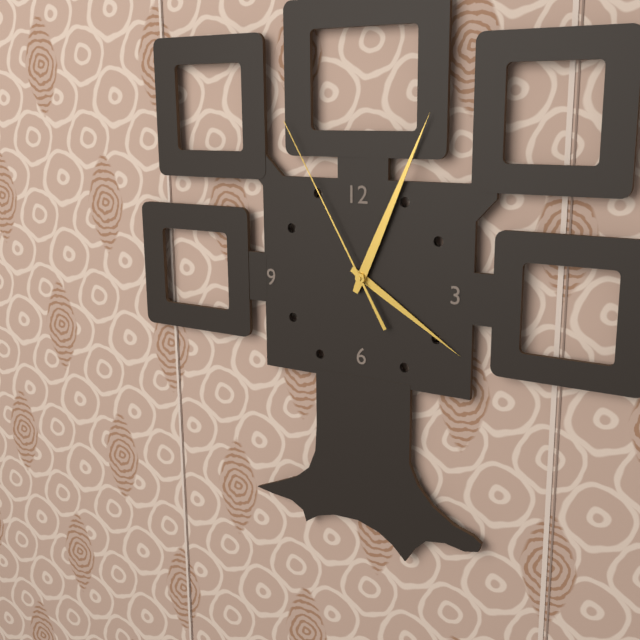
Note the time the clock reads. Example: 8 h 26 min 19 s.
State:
4 h 04 min 55 s
